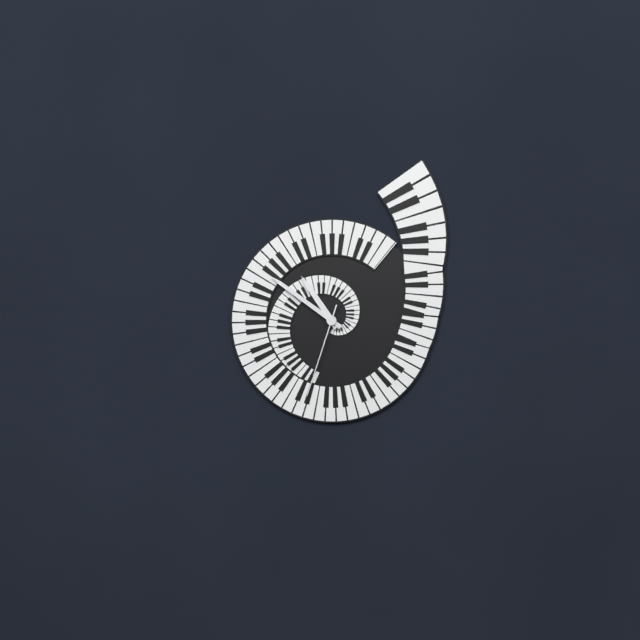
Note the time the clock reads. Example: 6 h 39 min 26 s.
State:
10 h 51 min 33 s
